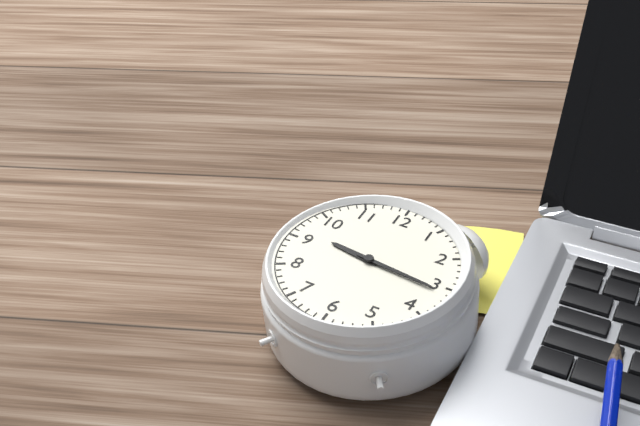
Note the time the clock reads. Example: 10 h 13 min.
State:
9 h 16 min
